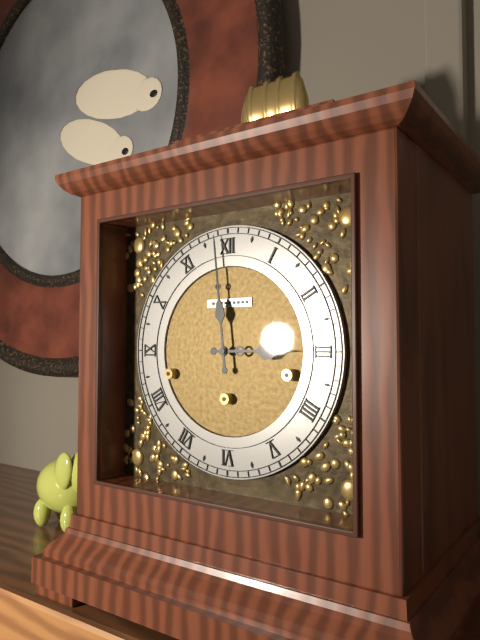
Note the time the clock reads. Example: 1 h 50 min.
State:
2 h 59 min
